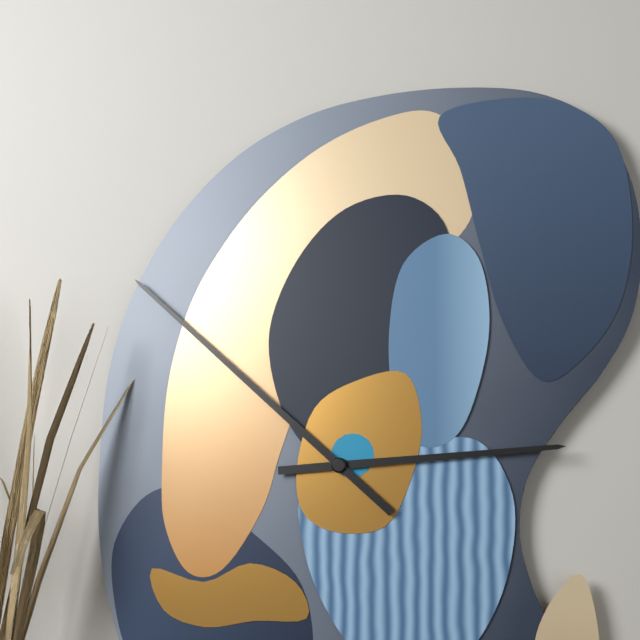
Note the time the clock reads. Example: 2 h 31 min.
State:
2 h 52 min
